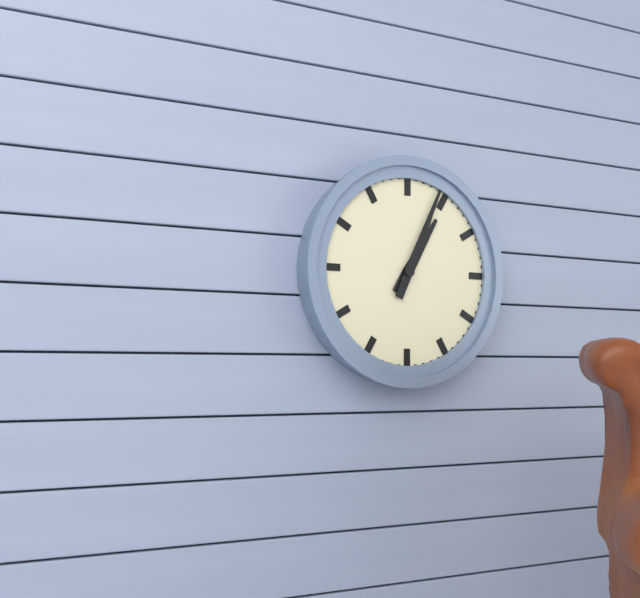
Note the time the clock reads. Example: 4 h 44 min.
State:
1 h 04 min
